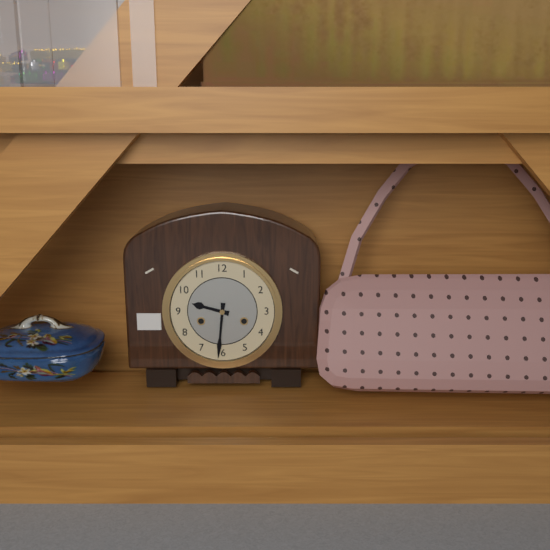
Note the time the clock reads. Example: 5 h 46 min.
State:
9 h 31 min
